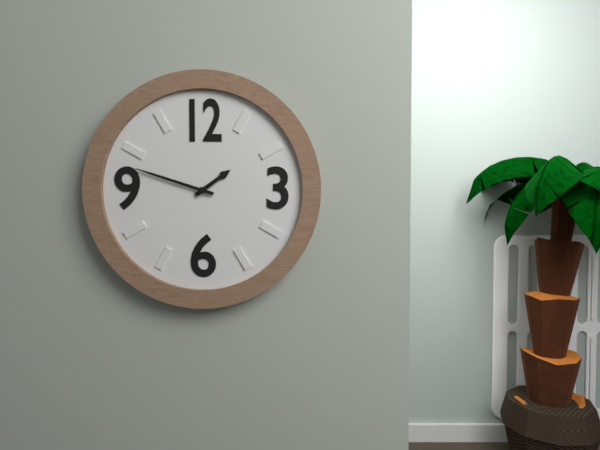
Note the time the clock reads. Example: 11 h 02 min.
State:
1 h 48 min
